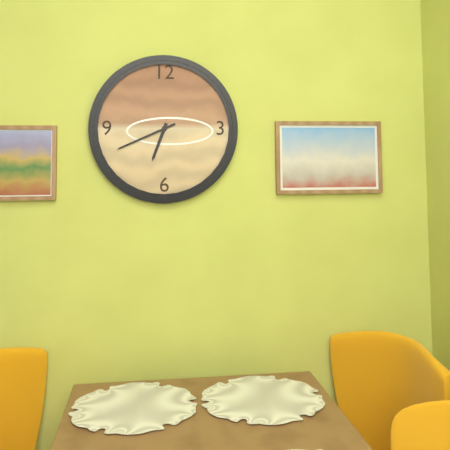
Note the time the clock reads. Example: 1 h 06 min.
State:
6 h 41 min
